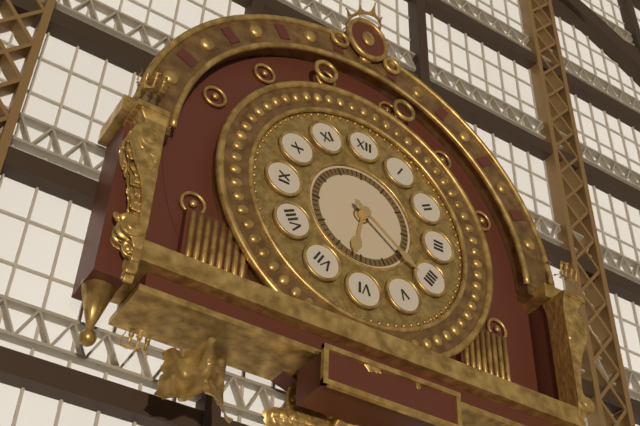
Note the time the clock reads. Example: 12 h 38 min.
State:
6 h 21 min
